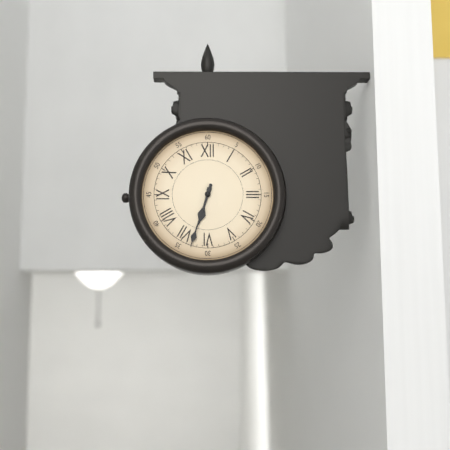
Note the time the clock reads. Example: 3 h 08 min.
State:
6 h 33 min
